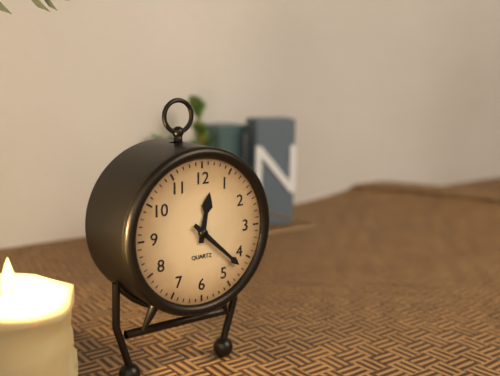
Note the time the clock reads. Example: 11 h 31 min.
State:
12 h 22 min
